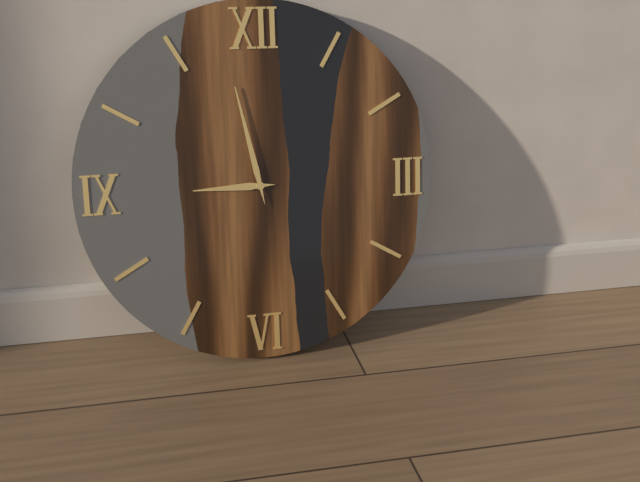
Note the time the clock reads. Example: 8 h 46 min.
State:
8 h 58 min
